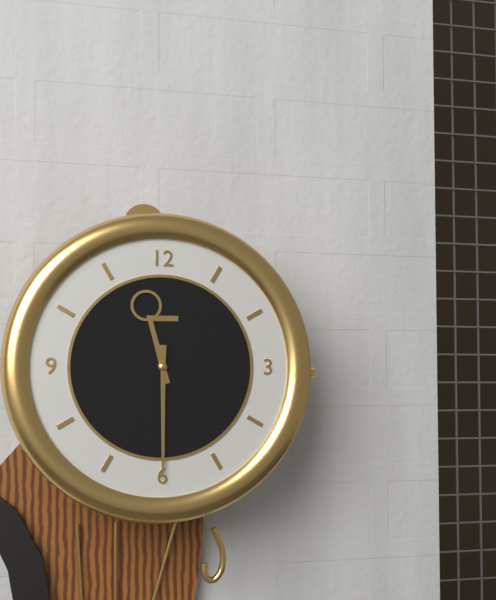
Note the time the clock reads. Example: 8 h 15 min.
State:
11 h 30 min
